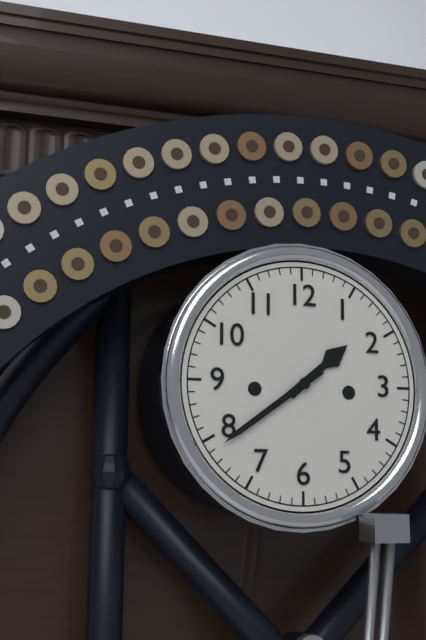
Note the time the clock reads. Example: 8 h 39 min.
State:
1 h 39 min
